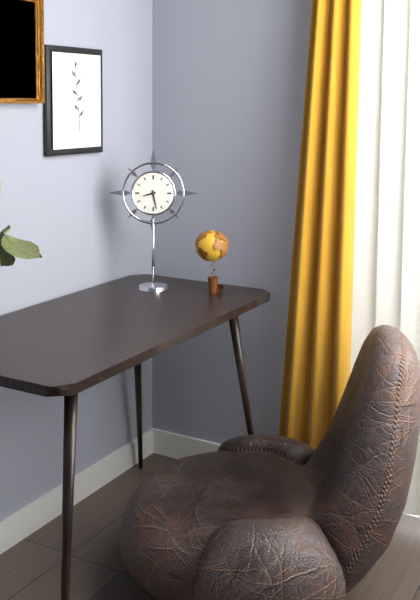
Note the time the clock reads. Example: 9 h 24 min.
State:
8 h 28 min
